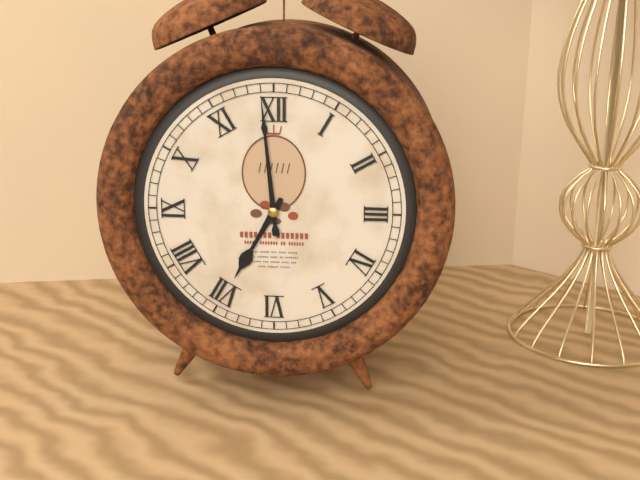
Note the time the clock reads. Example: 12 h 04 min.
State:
6 h 59 min
